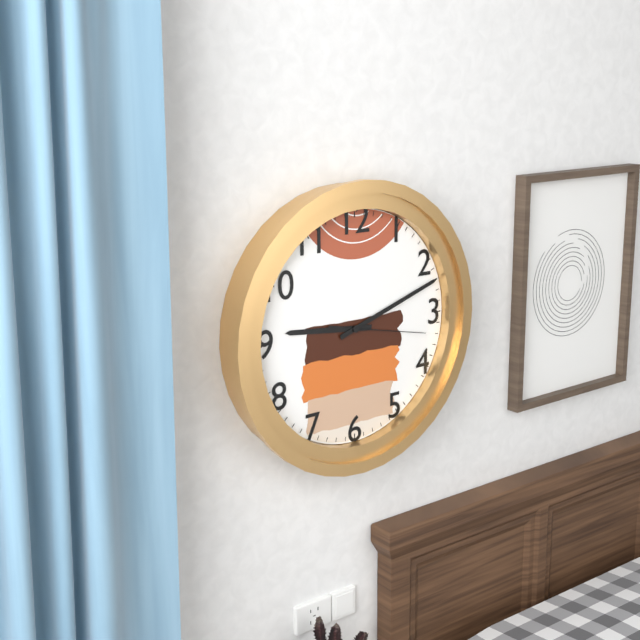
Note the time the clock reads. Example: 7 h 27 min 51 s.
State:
9 h 12 min 17 s
